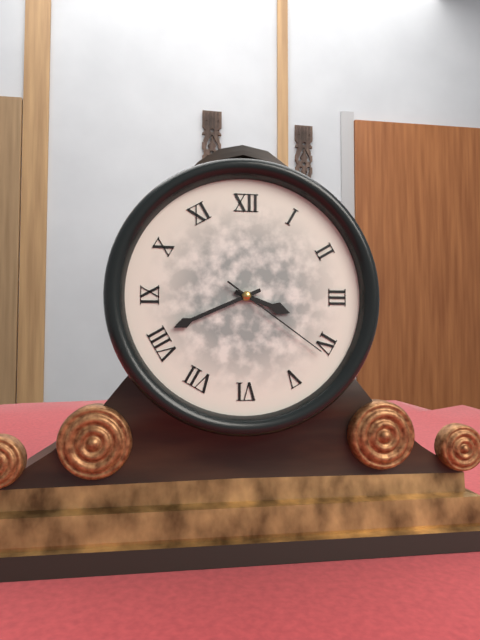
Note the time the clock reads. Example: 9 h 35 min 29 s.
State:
3 h 41 min 21 s
